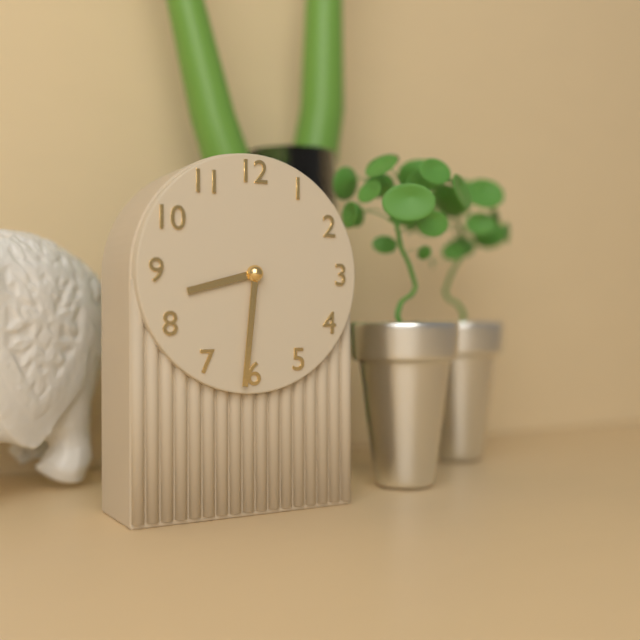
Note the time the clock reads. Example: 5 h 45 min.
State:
8 h 31 min
